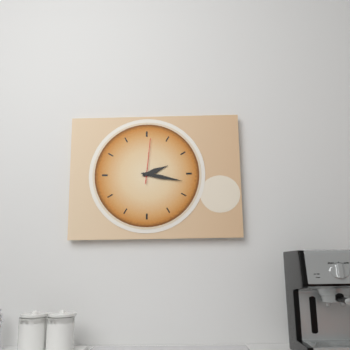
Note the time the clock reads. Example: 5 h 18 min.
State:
2 h 17 min
